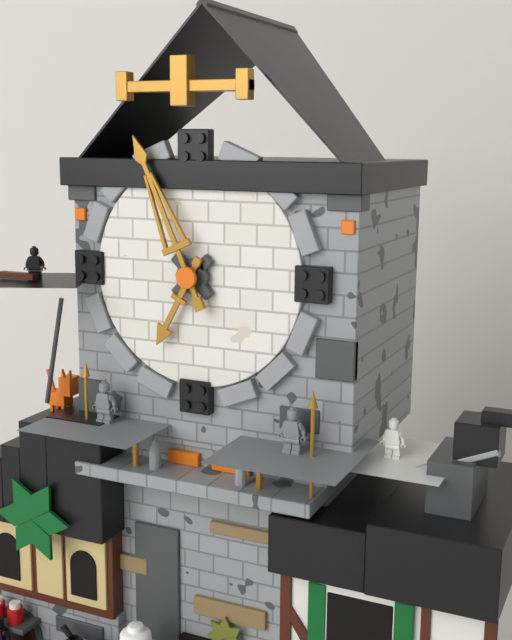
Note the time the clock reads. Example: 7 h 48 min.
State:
6 h 56 min
